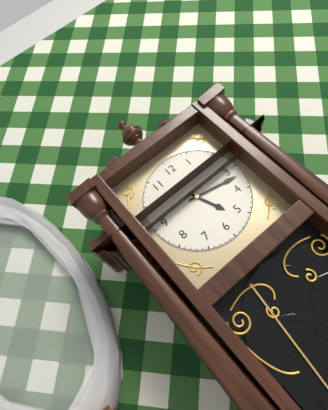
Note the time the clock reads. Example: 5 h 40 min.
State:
5 h 17 min
